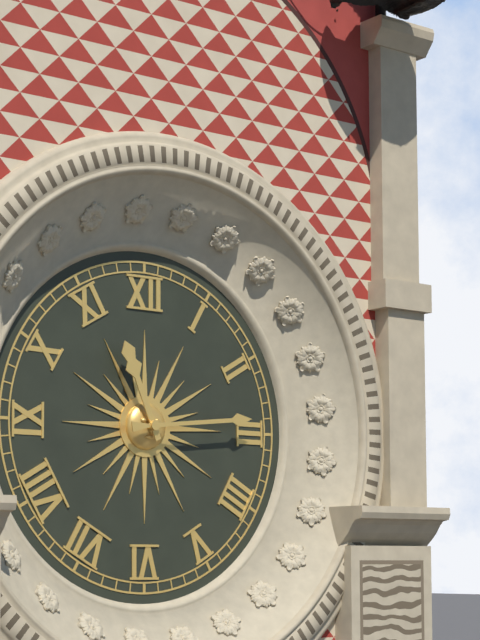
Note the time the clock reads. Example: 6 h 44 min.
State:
11 h 14 min
